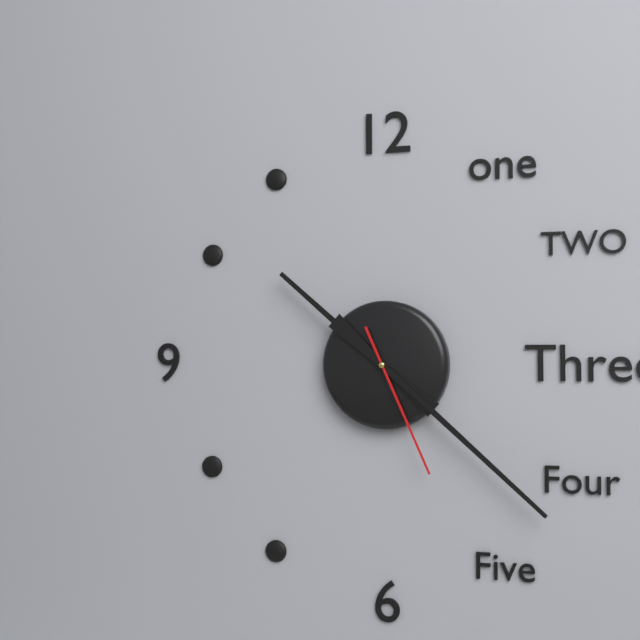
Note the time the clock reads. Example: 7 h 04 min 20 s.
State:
10 h 22 min 26 s
